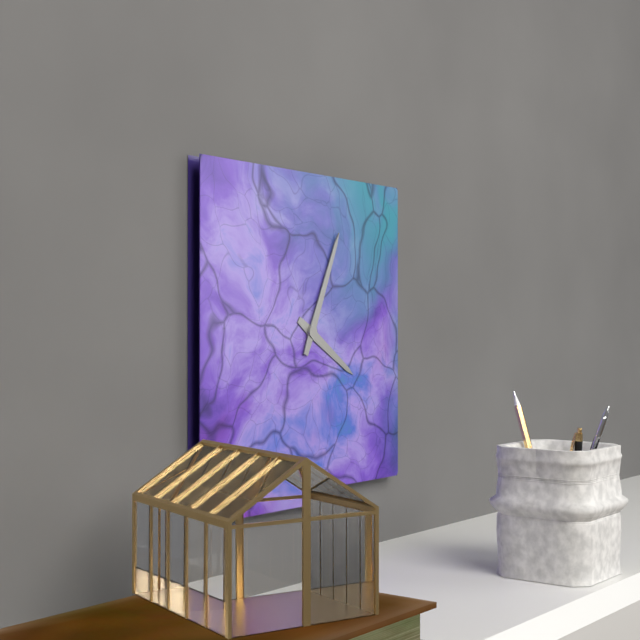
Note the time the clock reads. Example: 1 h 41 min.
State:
4 h 04 min
